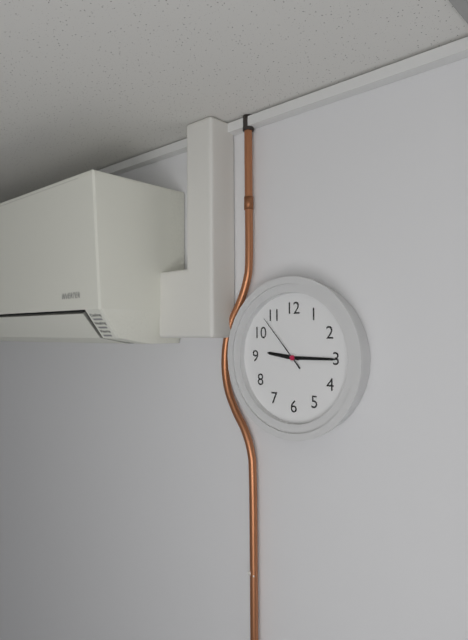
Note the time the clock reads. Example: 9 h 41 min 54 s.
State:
9 h 15 min 53 s
